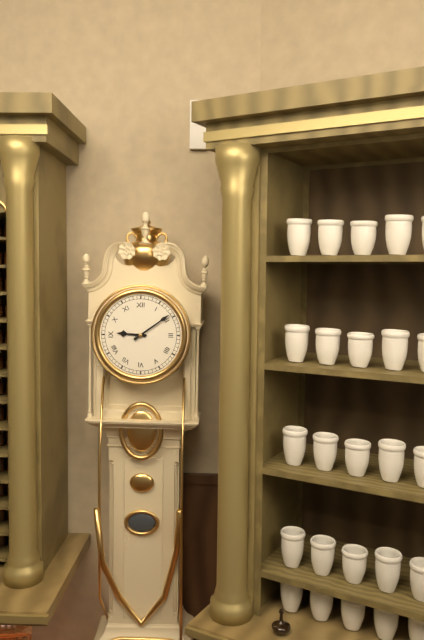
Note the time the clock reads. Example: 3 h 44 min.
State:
9 h 09 min
